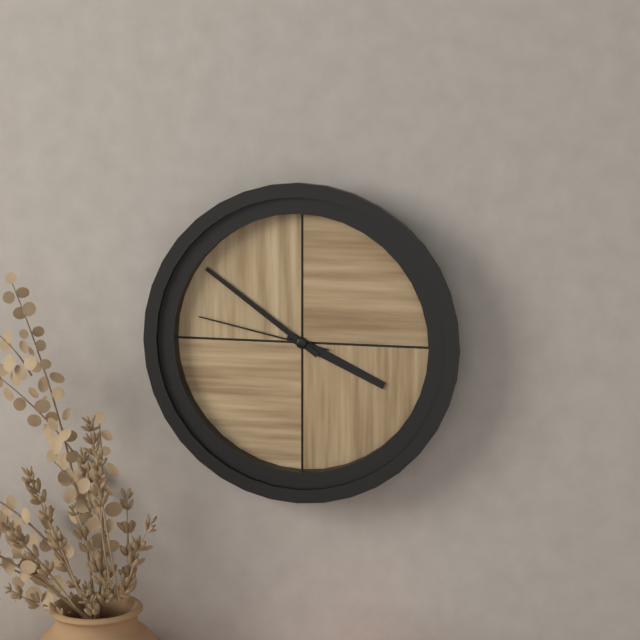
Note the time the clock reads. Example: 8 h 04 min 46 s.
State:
3 h 51 min 47 s
